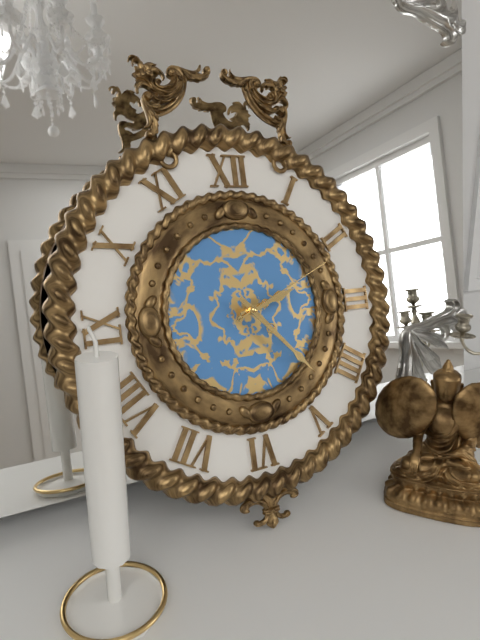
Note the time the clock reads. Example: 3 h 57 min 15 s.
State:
2 h 23 min 11 s
